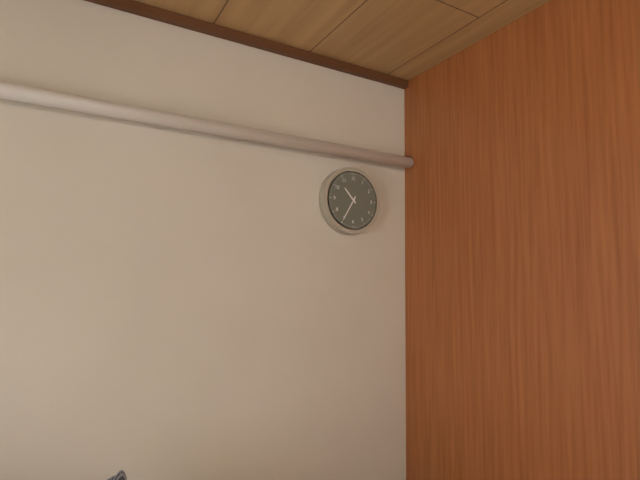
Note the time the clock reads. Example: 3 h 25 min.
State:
10 h 35 min
